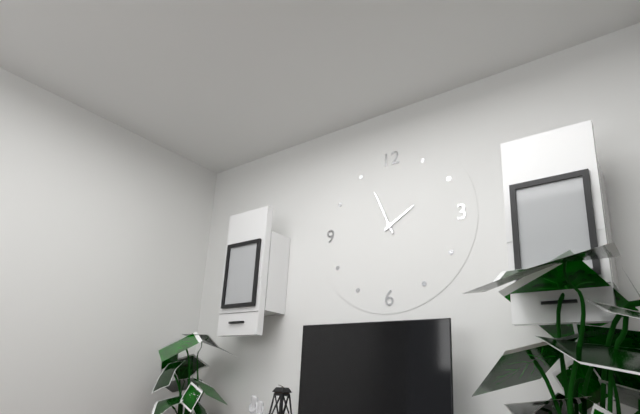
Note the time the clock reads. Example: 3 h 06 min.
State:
1 h 56 min
